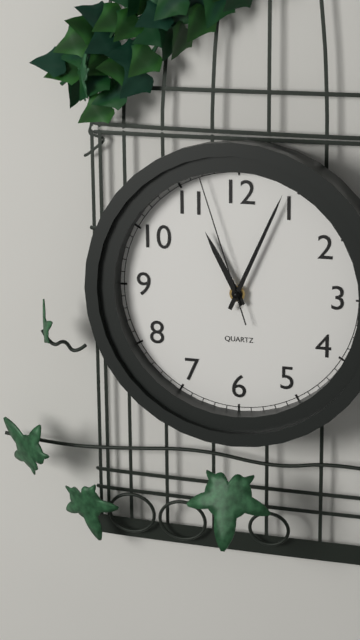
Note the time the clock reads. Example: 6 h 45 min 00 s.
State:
11 h 04 min 57 s
